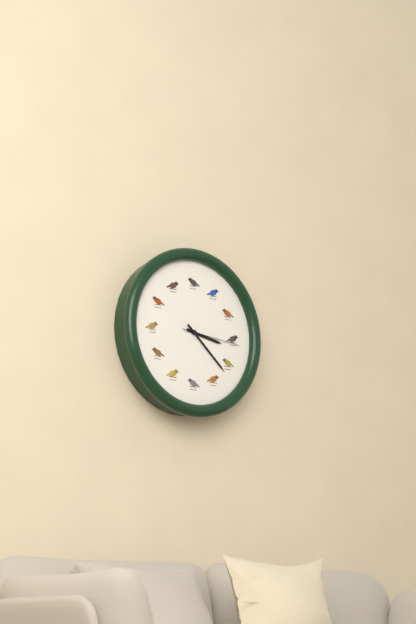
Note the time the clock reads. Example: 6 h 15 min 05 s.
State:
3 h 22 min 16 s
